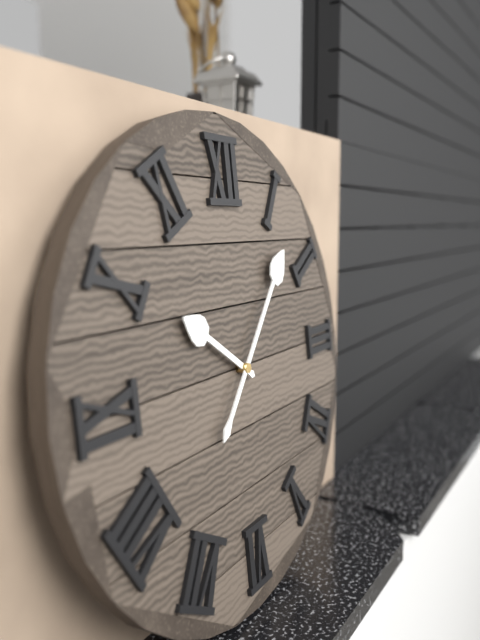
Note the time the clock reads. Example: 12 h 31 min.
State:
10 h 07 min
